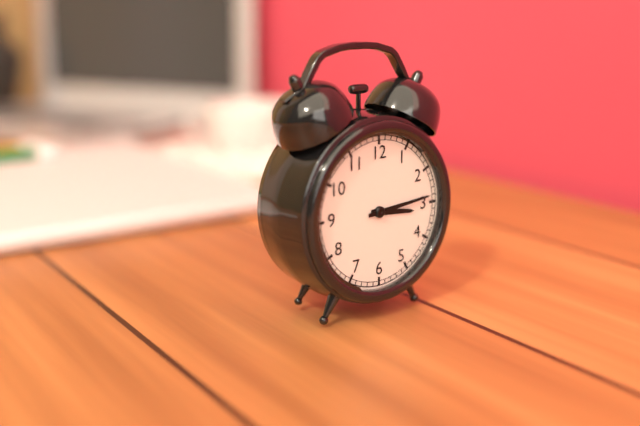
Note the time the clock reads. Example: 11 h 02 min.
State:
3 h 14 min
